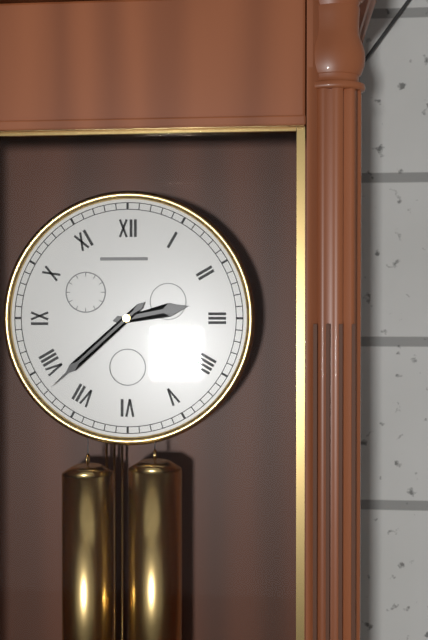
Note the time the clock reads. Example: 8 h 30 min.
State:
2 h 38 min
